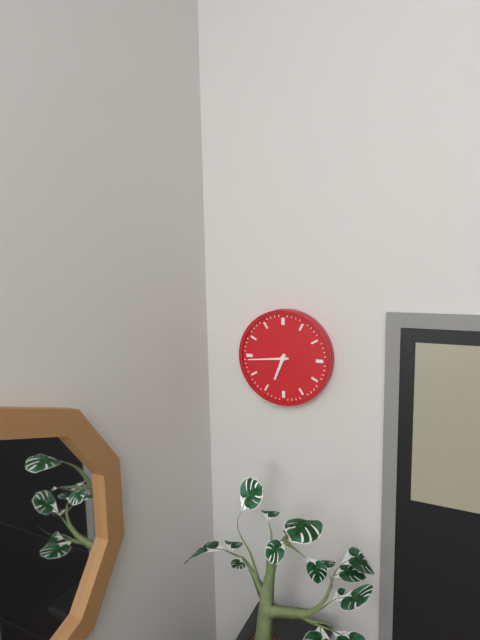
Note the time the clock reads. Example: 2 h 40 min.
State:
6 h 44 min
